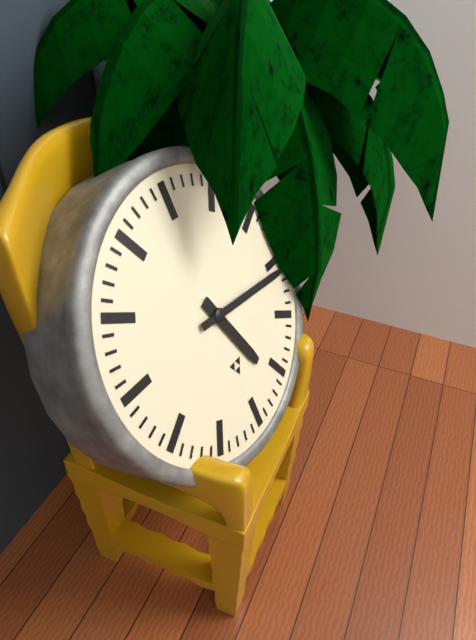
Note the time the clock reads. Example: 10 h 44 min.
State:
5 h 16 min
